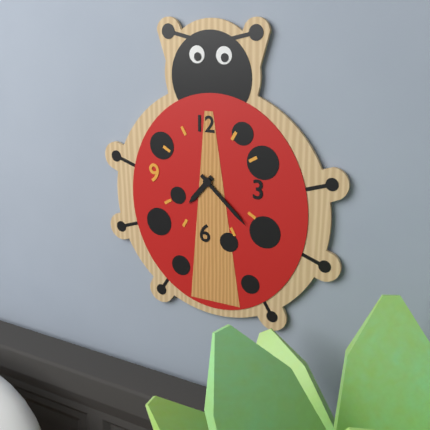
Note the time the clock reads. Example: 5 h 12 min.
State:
7 h 22 min
